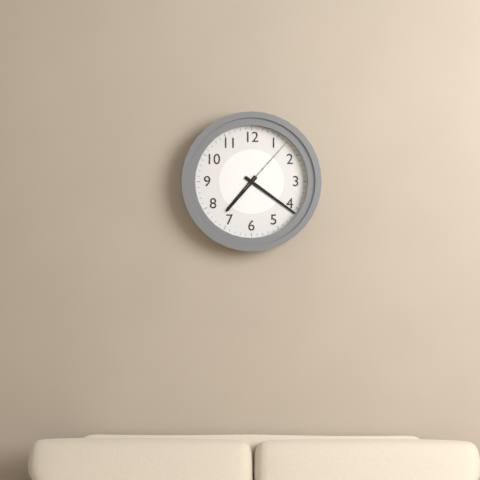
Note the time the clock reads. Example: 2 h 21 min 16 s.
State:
7 h 21 min 07 s
